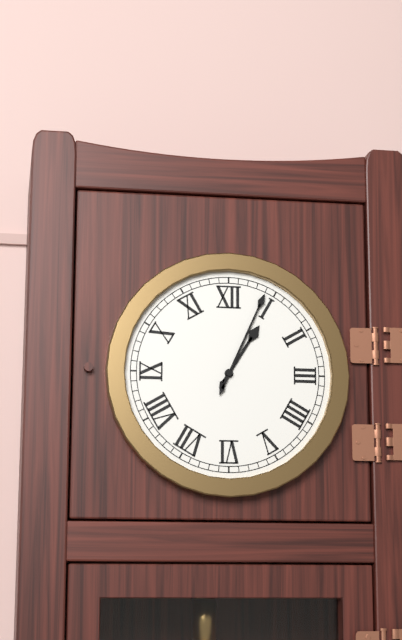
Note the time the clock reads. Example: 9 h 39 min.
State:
1 h 04 min
